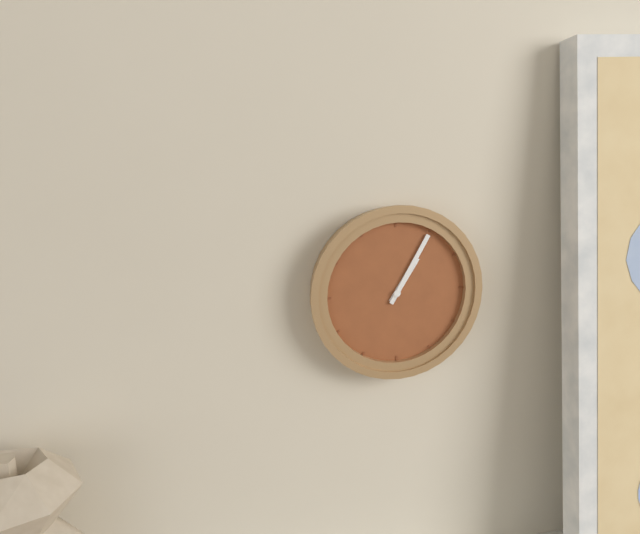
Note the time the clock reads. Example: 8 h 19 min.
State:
1 h 05 min
